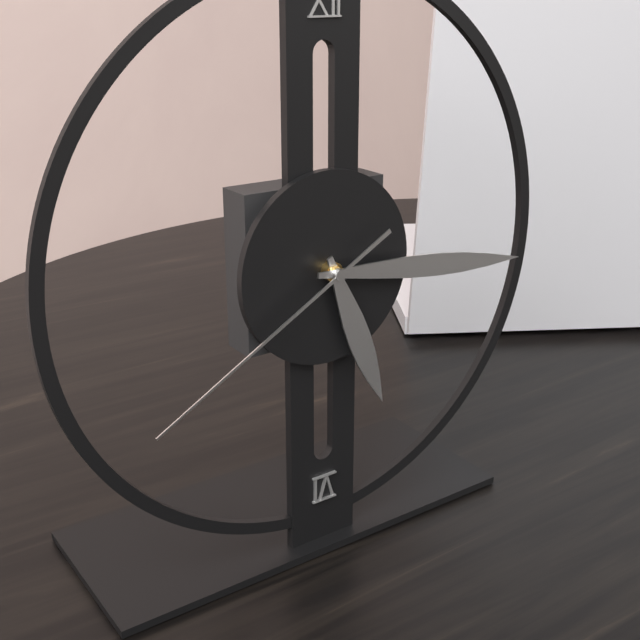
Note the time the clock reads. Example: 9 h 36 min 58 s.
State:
5 h 16 min 40 s
